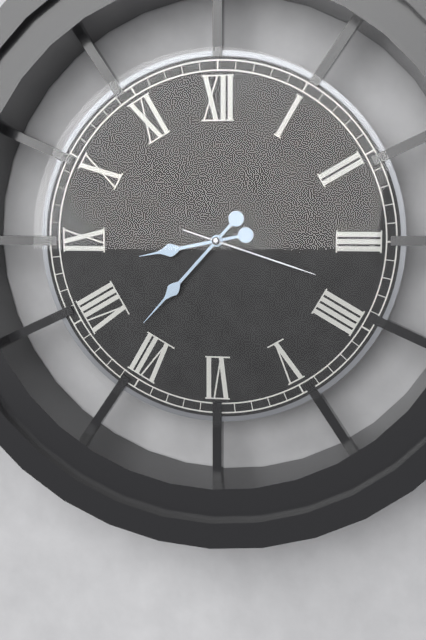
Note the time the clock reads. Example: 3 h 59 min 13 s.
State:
8 h 37 min 18 s
